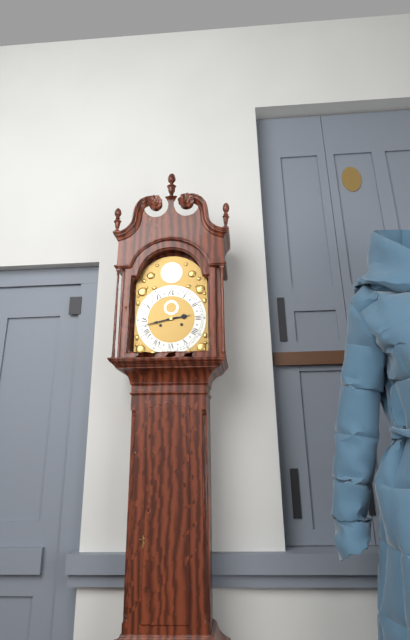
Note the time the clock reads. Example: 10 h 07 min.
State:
2 h 43 min
